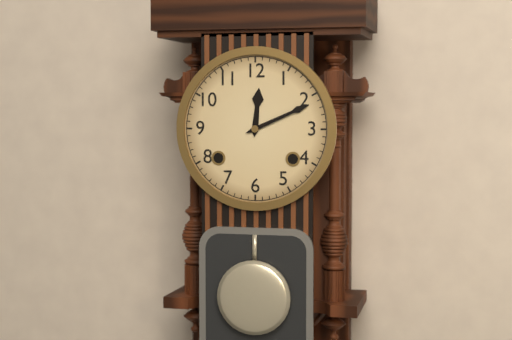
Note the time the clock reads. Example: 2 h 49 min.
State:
12 h 11 min
